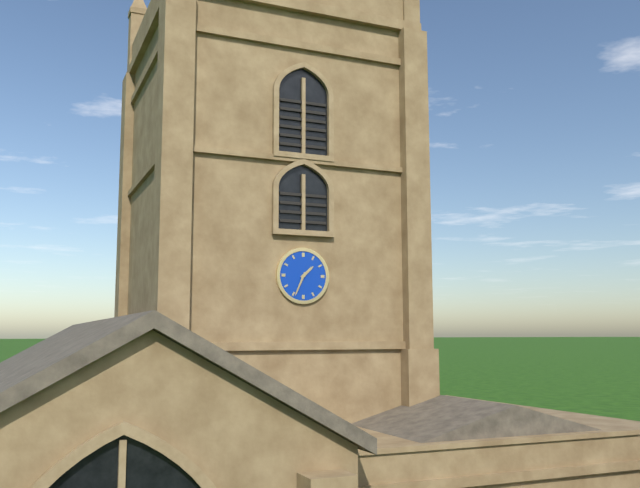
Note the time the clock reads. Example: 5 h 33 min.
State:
1 h 34 min
